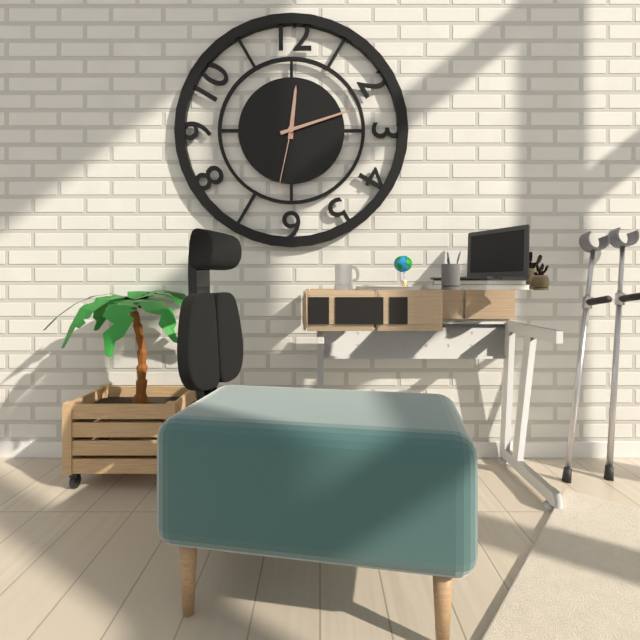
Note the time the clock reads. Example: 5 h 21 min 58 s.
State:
12 h 12 min 32 s
